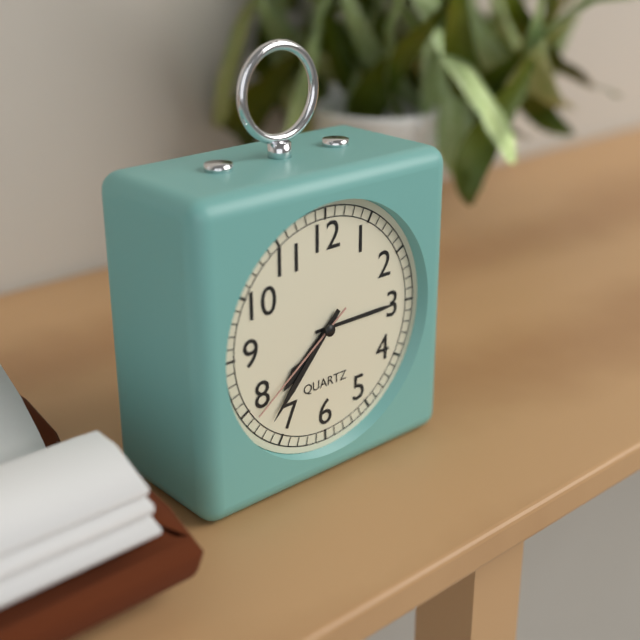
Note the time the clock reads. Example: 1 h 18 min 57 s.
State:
7 h 37 min 39 s
